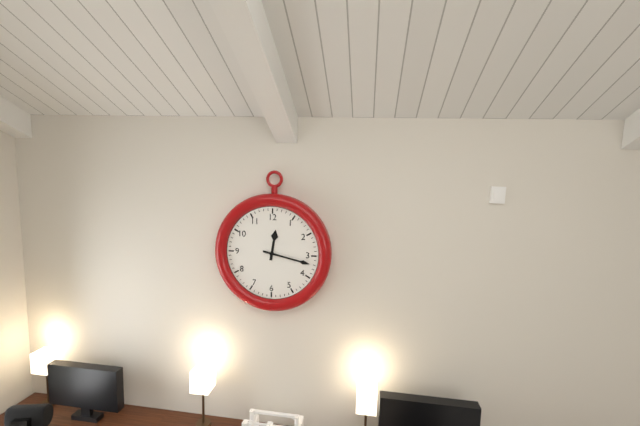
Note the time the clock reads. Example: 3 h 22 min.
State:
12 h 17 min
